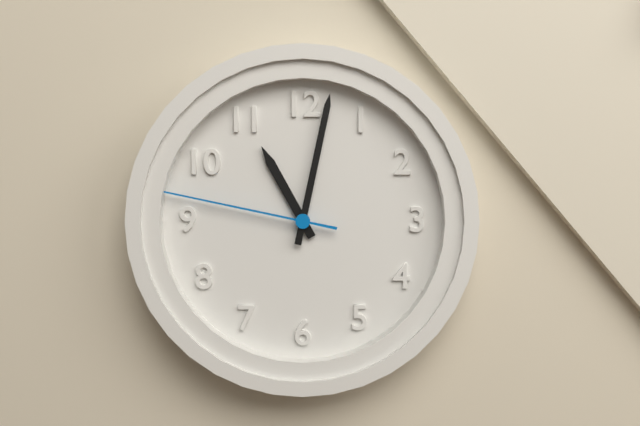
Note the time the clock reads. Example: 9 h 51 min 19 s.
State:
11 h 02 min 47 s
